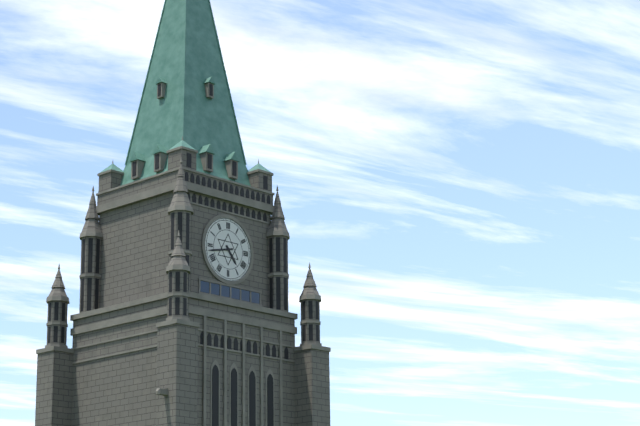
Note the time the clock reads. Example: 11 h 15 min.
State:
4 h 43 min
